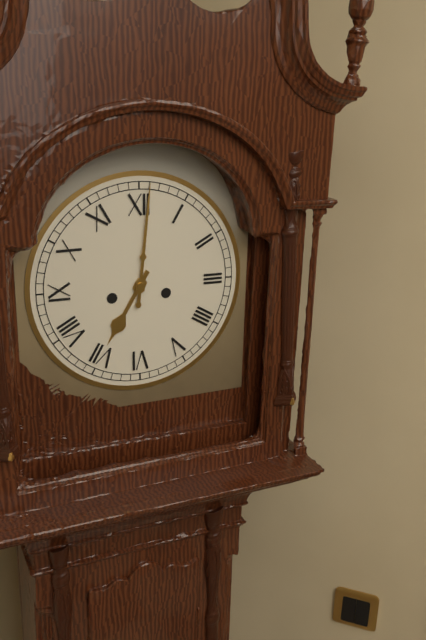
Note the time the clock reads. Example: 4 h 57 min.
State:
7 h 01 min
